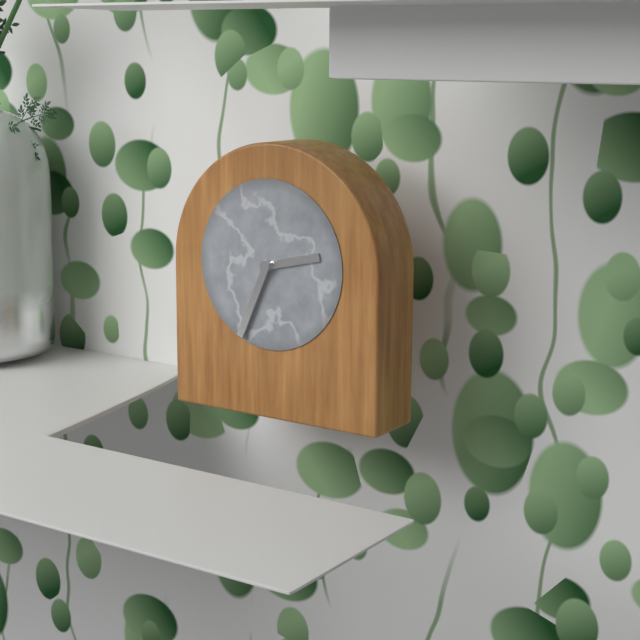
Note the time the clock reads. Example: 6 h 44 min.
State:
2 h 34 min
